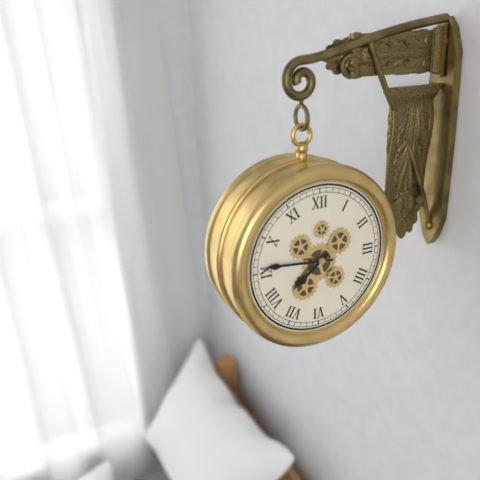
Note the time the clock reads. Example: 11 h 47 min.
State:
7 h 46 min
